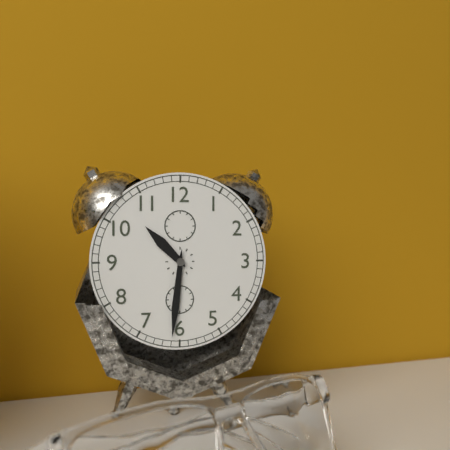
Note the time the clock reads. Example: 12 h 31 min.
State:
10 h 31 min
